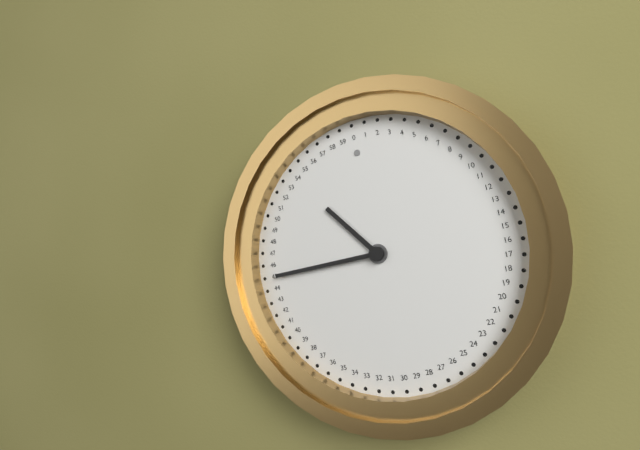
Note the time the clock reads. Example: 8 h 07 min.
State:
10 h 45 min
